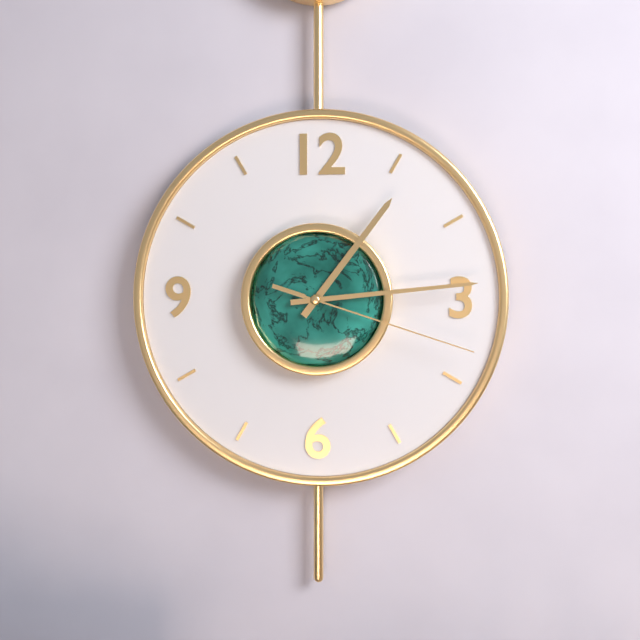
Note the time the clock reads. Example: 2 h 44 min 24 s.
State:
1 h 14 min 18 s
